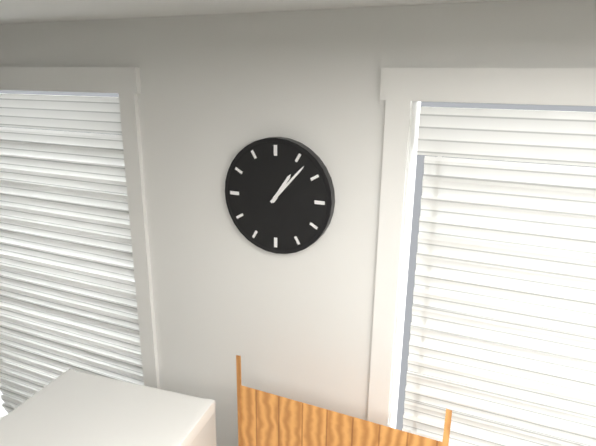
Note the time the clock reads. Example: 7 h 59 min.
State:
1 h 07 min
